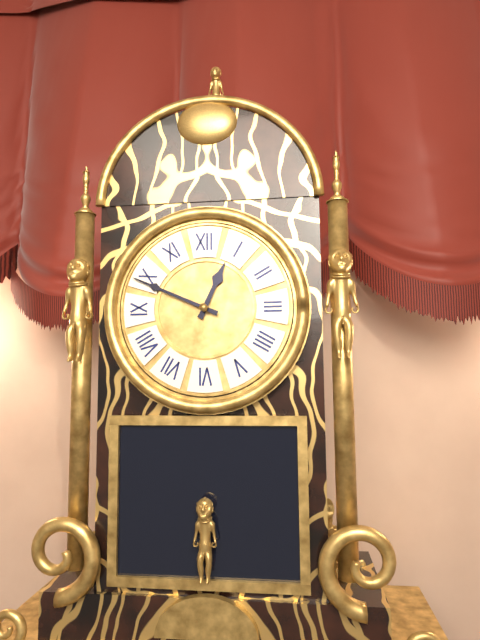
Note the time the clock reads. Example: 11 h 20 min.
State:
12 h 49 min
